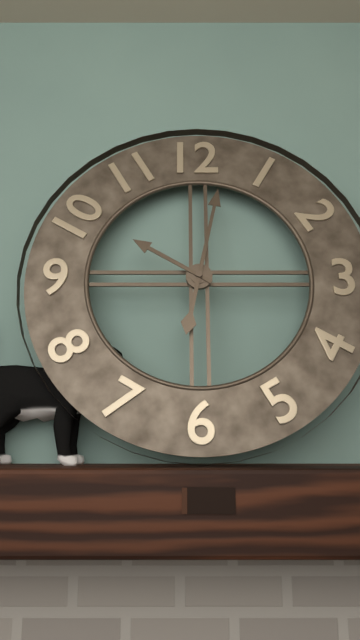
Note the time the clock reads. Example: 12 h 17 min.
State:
10 h 02 min
